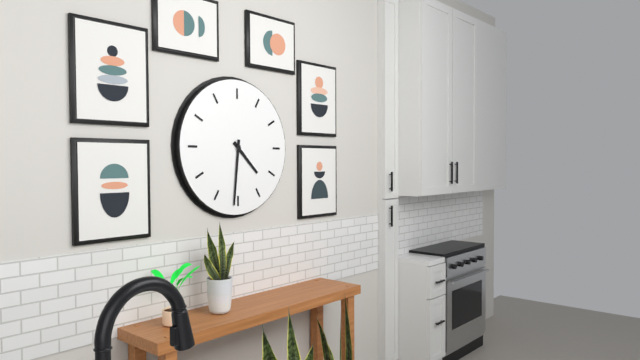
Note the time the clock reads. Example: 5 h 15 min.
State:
4 h 31 min
